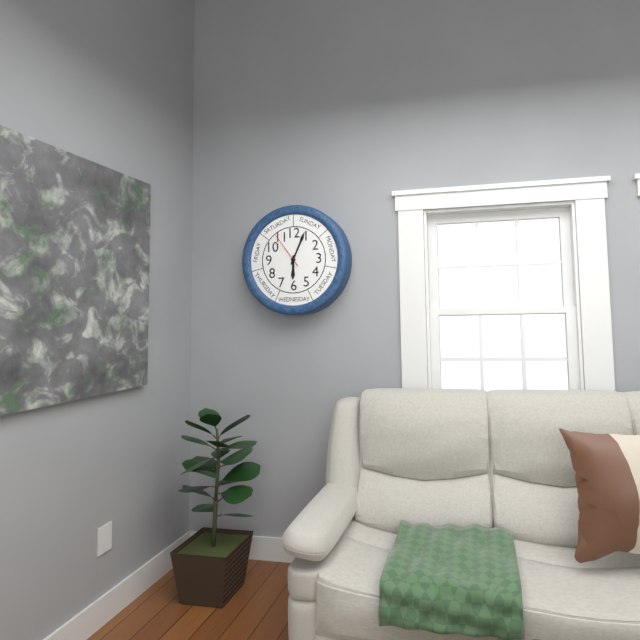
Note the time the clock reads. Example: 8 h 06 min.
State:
6 h 04 min
